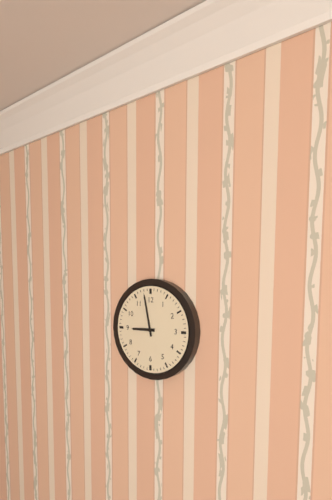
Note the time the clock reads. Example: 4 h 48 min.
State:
8 h 58 min
